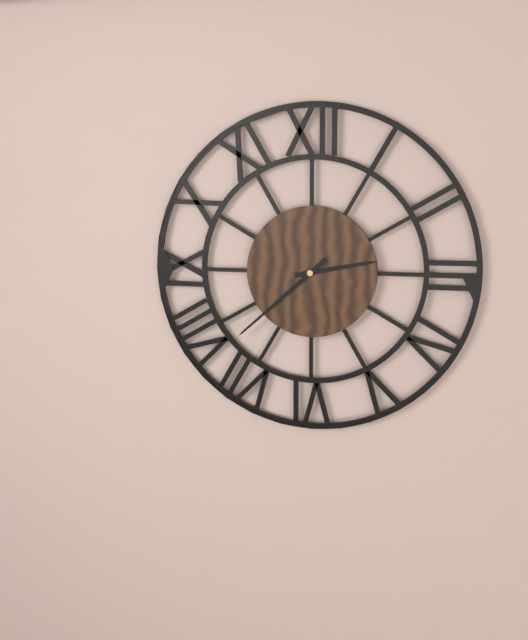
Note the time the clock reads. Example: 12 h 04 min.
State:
2 h 38 min
